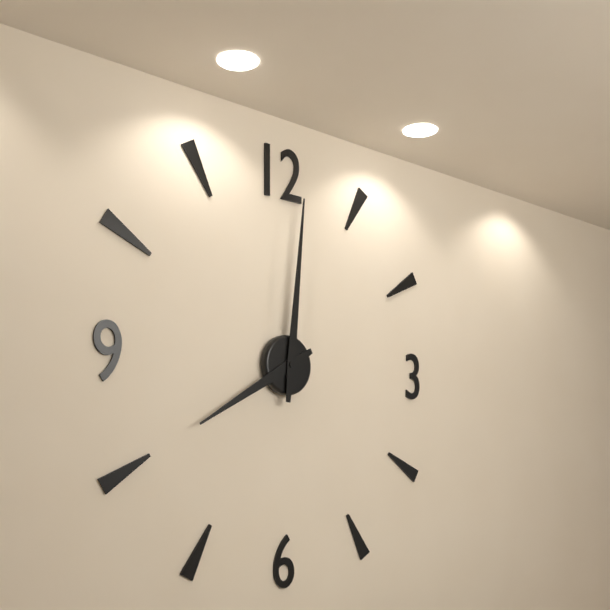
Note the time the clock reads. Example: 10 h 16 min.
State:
8 h 01 min
